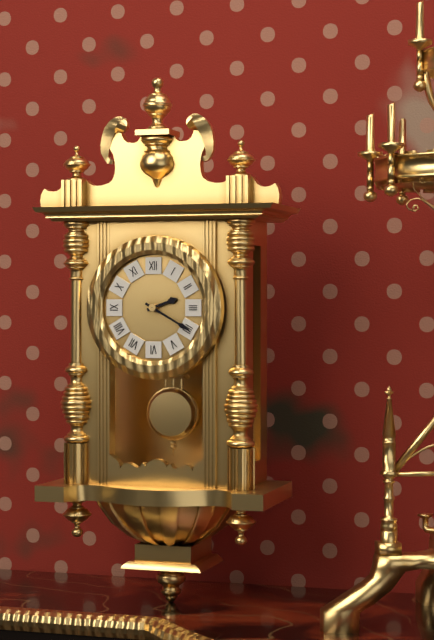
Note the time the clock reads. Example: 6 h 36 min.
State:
2 h 20 min
